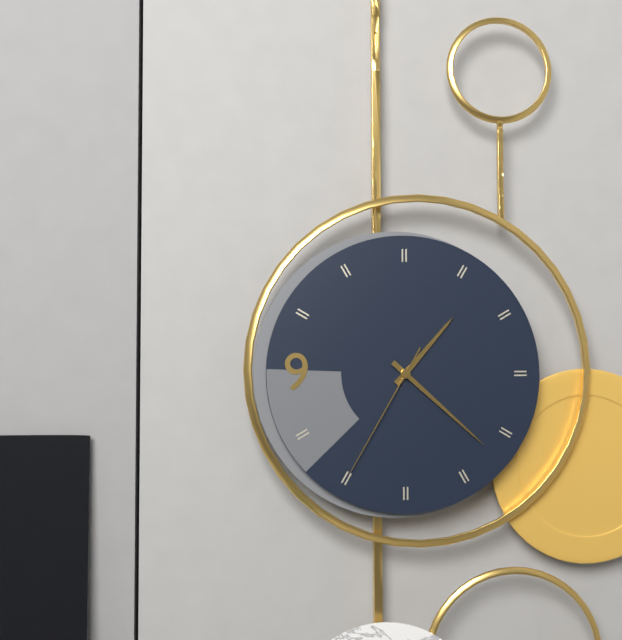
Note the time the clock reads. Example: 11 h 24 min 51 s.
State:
1 h 22 min 35 s
